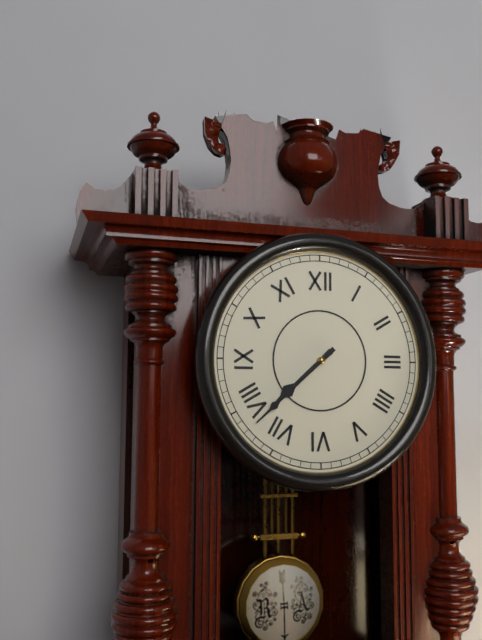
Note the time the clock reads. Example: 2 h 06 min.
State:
7 h 38 min
